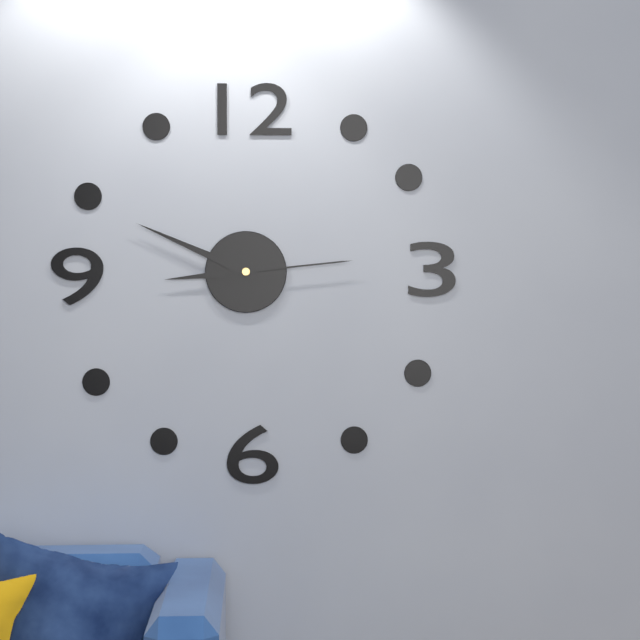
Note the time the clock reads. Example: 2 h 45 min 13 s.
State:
8 h 49 min 14 s
